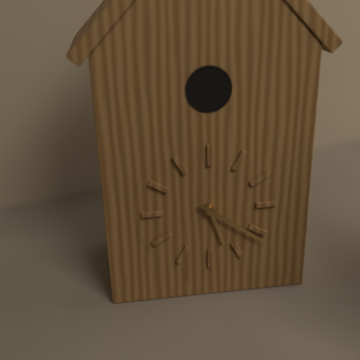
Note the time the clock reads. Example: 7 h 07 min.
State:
5 h 21 min
